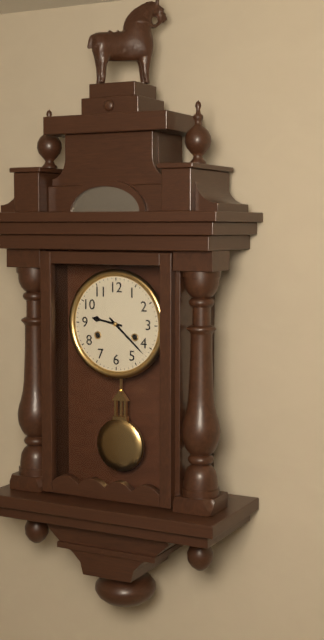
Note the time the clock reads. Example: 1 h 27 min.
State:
9 h 22 min
